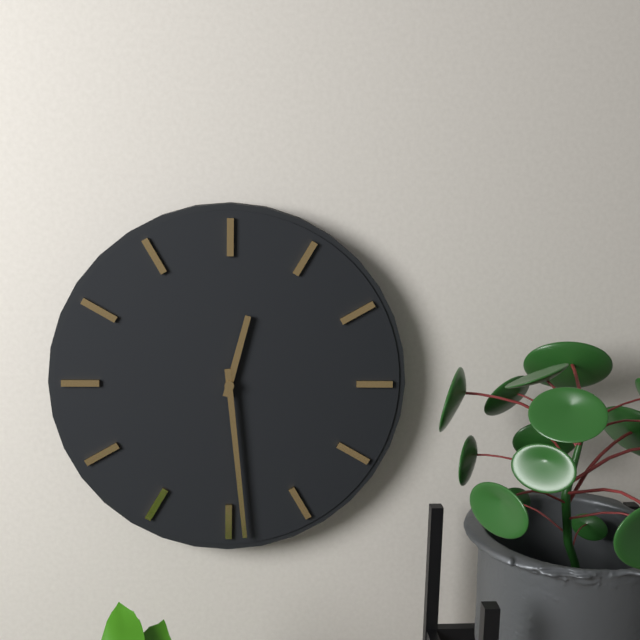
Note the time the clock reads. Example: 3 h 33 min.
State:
12 h 29 min
